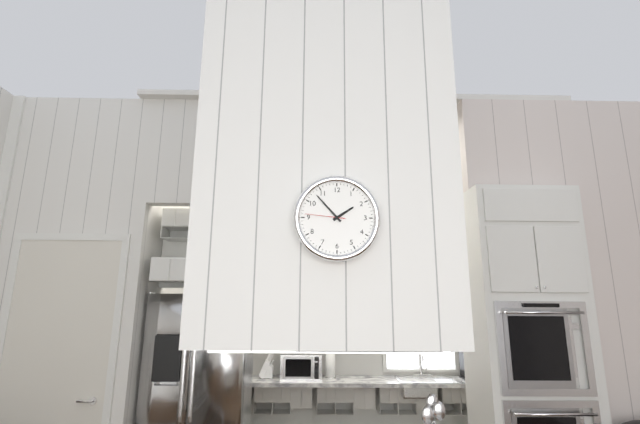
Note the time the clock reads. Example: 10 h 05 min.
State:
1 h 53 min
